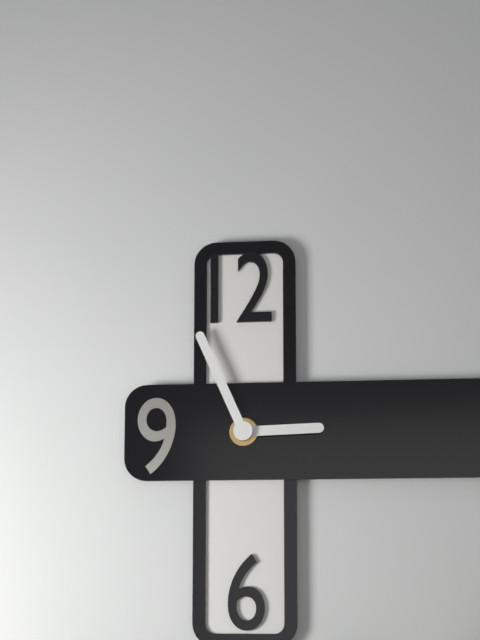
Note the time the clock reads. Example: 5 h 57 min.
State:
2 h 56 min
